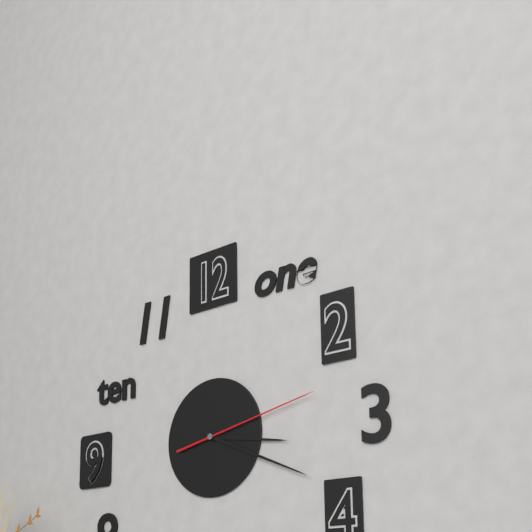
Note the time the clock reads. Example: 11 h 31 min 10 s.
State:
3 h 19 min 13 s
